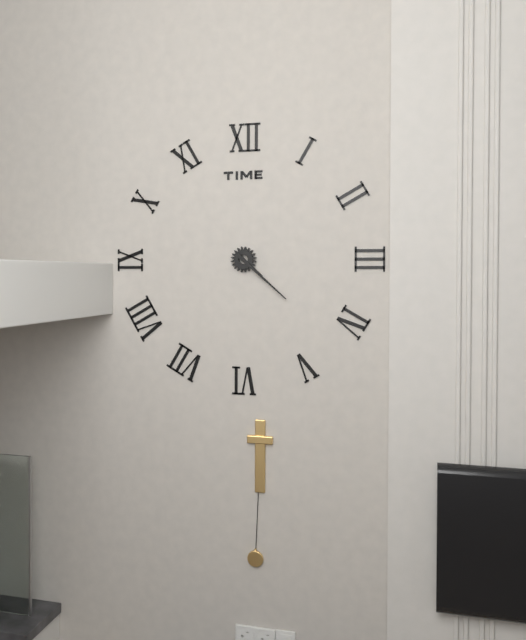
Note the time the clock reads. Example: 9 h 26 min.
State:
4 h 22 min
